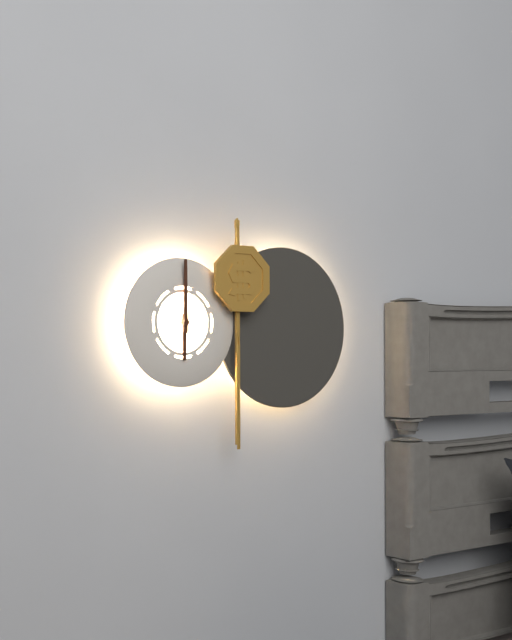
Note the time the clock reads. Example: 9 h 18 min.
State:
6 h 00 min
